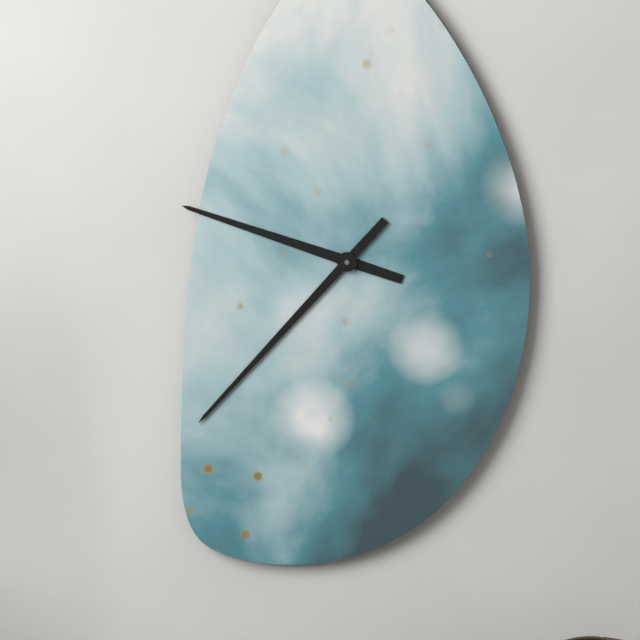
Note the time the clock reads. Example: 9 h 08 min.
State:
9 h 37 min
